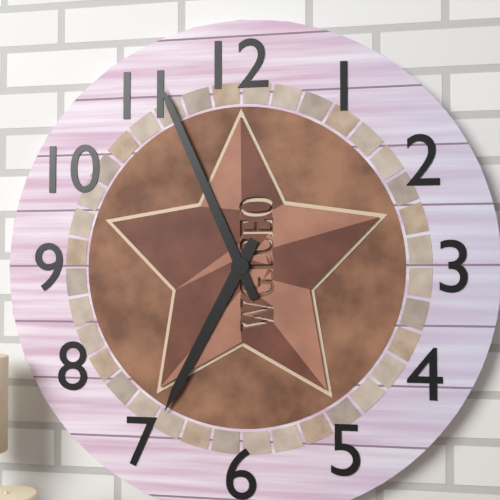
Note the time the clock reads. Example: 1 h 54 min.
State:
6 h 56 min
